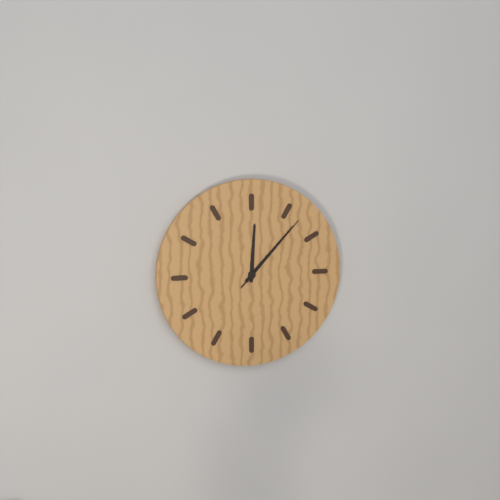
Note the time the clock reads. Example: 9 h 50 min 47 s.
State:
12 h 07 min 07 s
